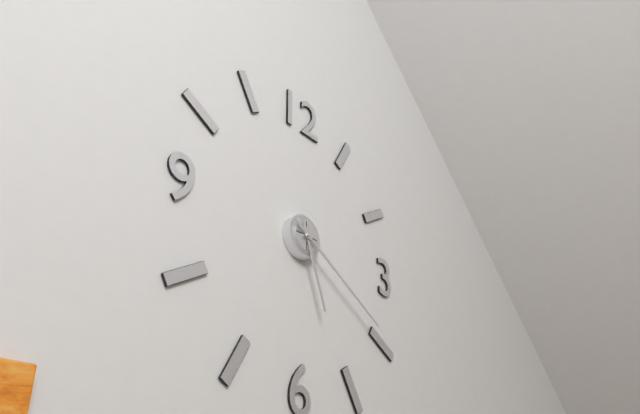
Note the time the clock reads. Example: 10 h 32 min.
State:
5 h 20 min
